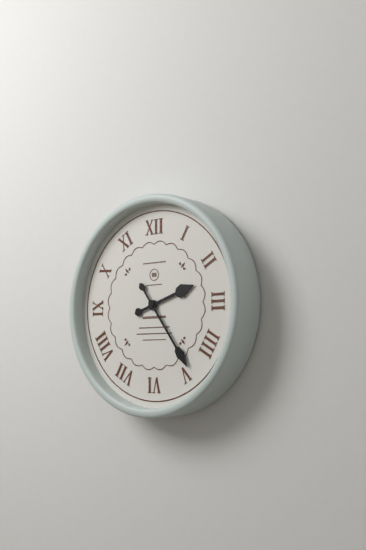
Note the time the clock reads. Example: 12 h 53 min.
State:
2 h 24 min
